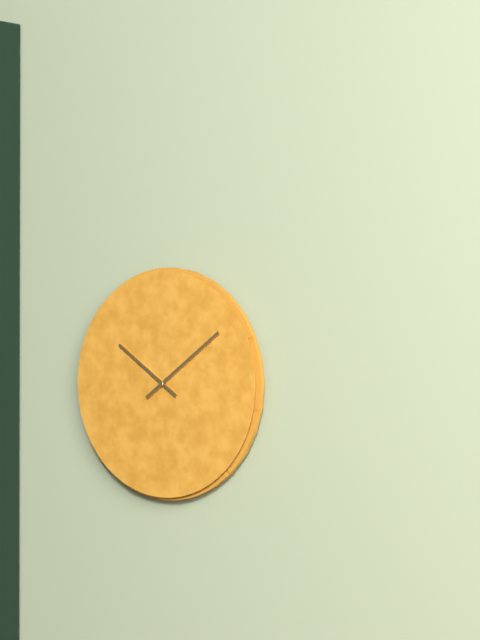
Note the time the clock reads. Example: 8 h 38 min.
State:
10 h 09 min
